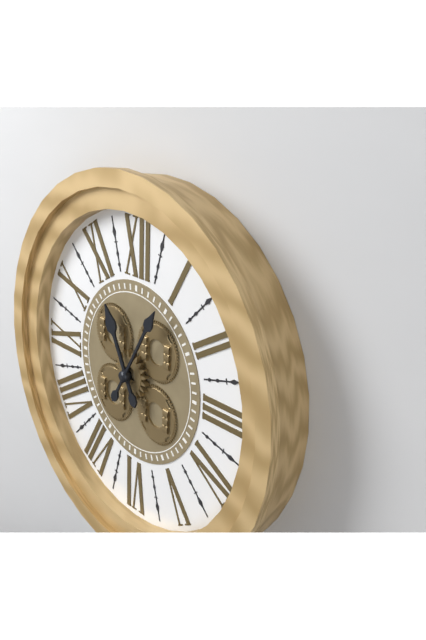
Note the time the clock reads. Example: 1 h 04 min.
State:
11 h 05 min
